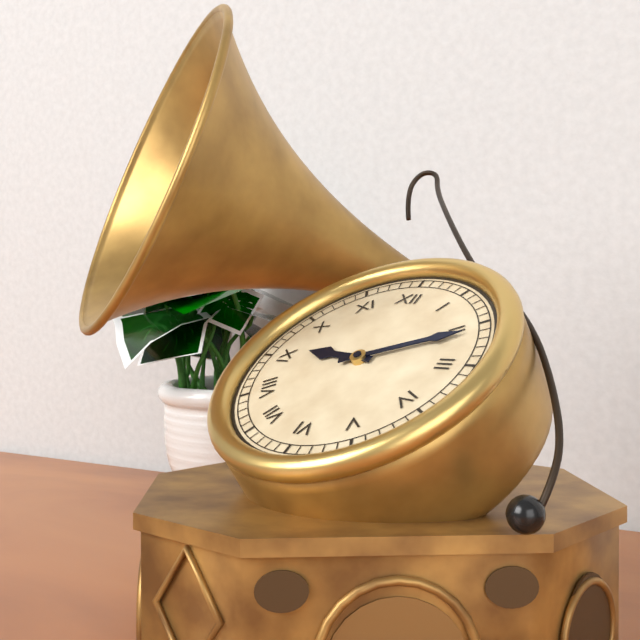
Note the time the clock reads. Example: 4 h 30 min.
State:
9 h 11 min
